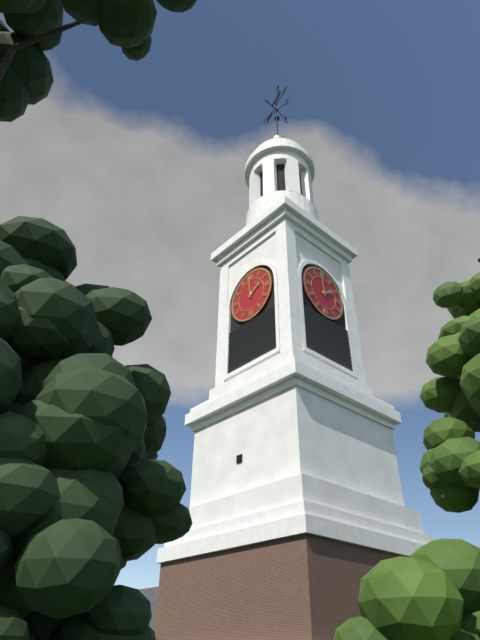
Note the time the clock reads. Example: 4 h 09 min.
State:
1 h 59 min
